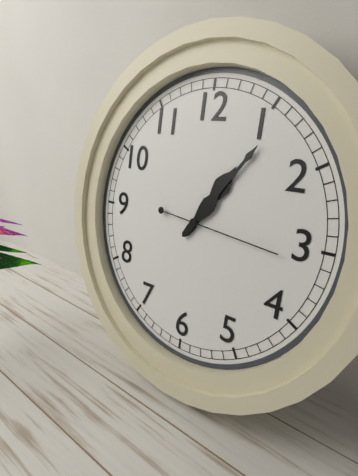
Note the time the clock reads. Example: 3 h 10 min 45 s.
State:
1 h 06 min 16 s
